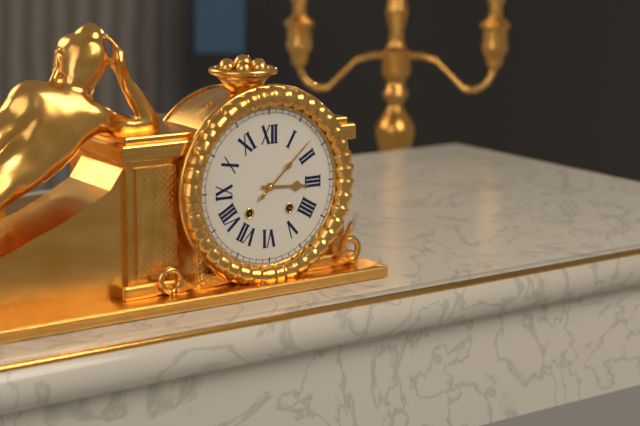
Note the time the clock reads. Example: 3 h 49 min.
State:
3 h 08 min
